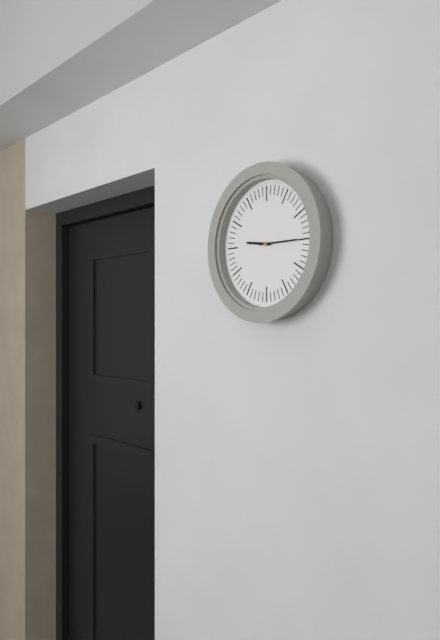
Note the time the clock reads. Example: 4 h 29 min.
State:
9 h 15 min
